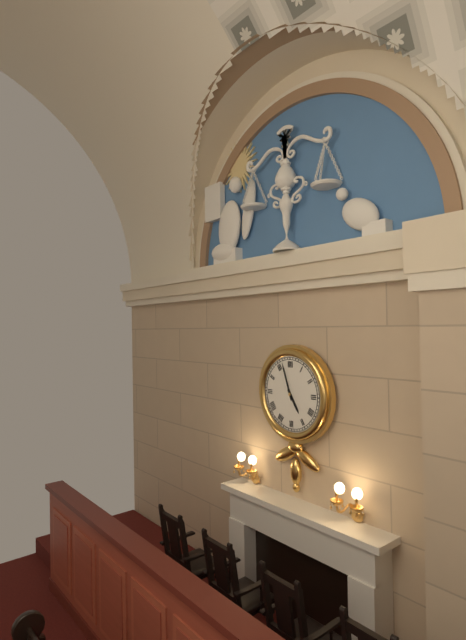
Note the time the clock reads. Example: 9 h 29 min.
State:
4 h 57 min
